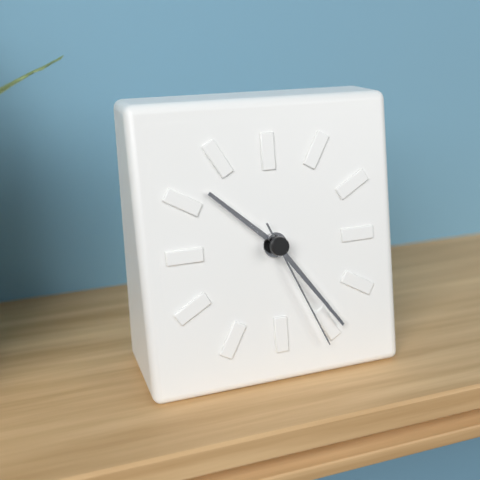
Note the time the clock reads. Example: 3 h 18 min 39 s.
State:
10 h 24 min 26 s
